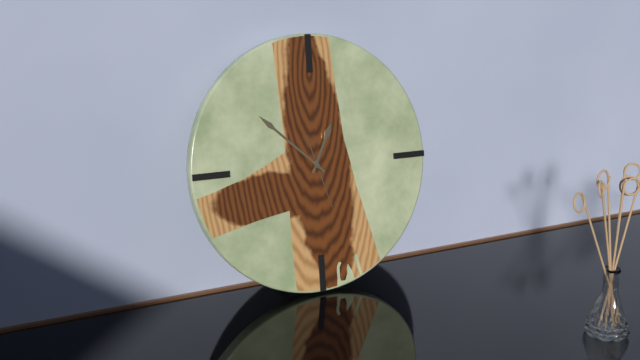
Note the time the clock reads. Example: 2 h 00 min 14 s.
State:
12 h 52 min 27 s
